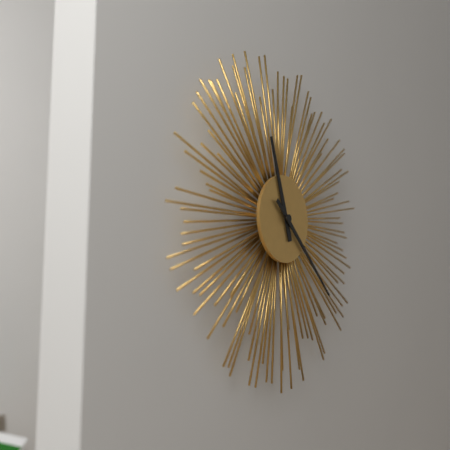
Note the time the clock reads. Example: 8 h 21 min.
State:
11 h 22 min
